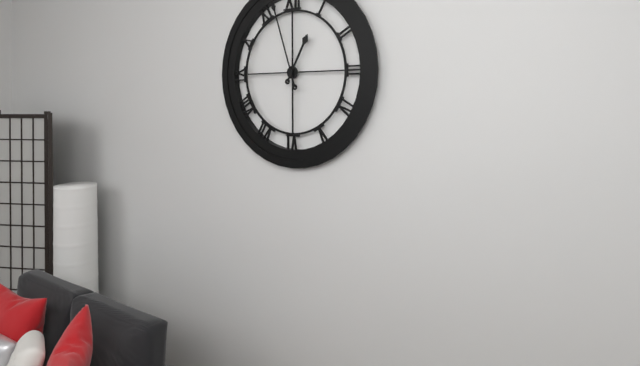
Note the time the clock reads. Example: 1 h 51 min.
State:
12 h 57 min
